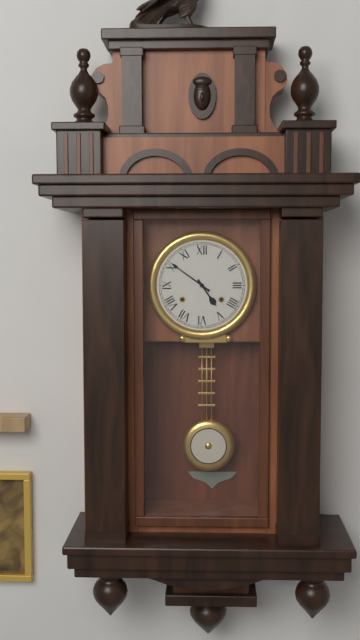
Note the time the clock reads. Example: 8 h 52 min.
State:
4 h 51 min
